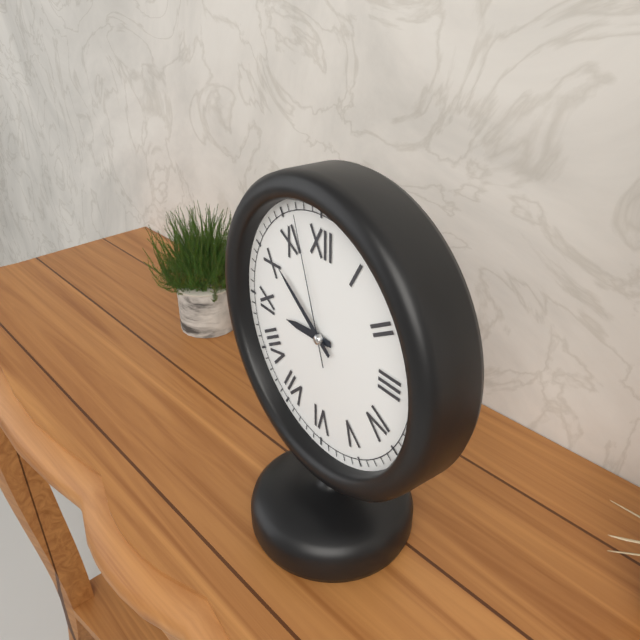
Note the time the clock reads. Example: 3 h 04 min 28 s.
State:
8 h 51 min 57 s
